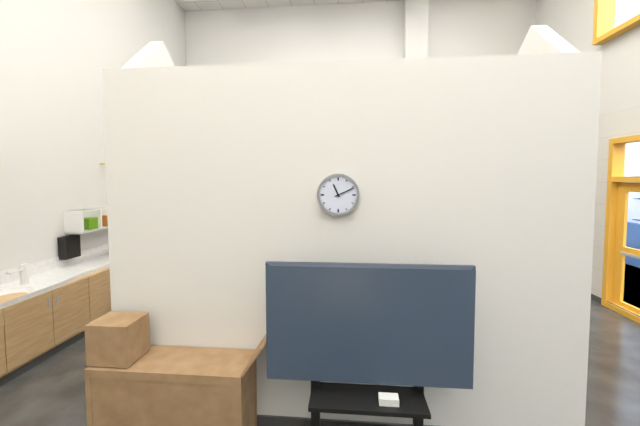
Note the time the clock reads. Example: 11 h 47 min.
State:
11 h 11 min
